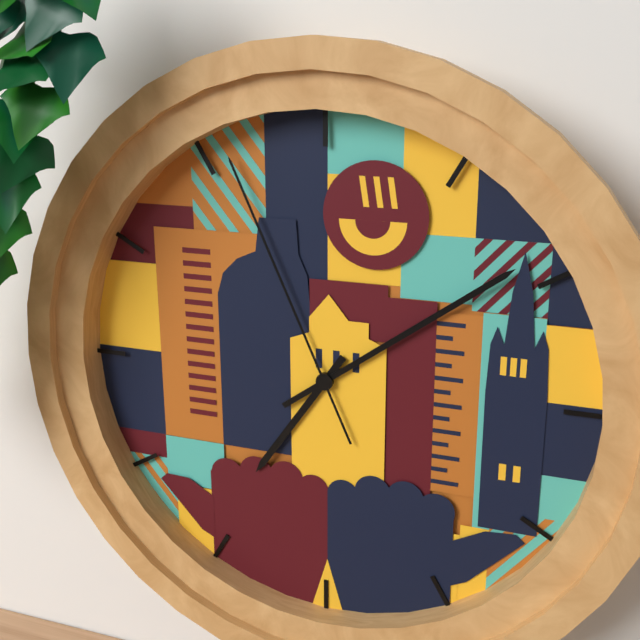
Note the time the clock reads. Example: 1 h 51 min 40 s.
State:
7 h 09 min 56 s
